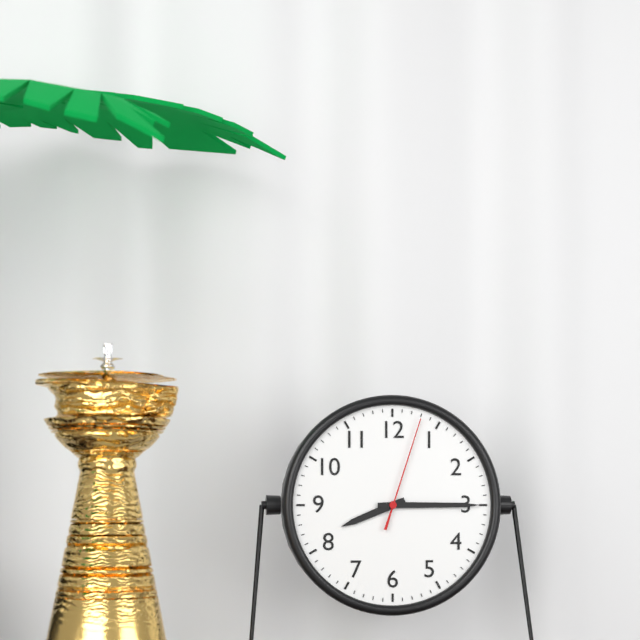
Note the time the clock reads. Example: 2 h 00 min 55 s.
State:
8 h 15 min 03 s
